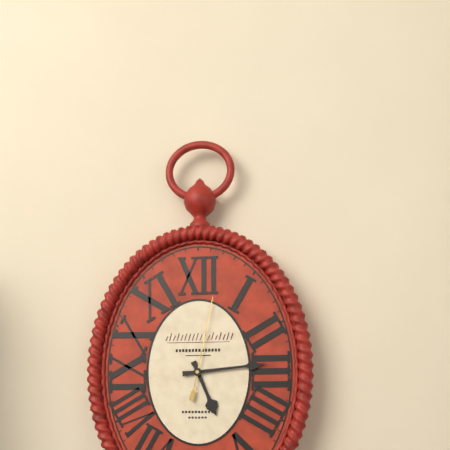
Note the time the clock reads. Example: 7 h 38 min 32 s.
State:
5 h 14 min 02 s
